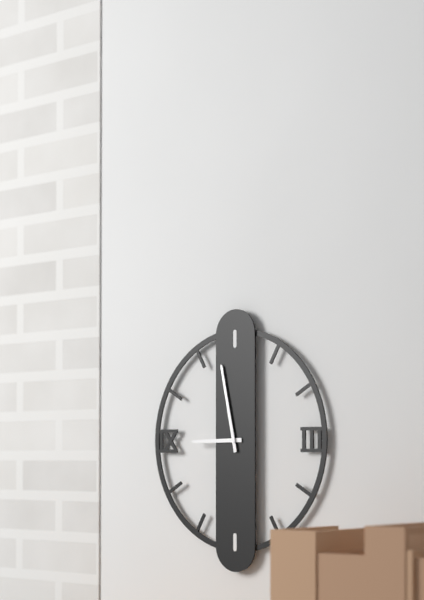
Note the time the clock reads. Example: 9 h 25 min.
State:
8 h 58 min
